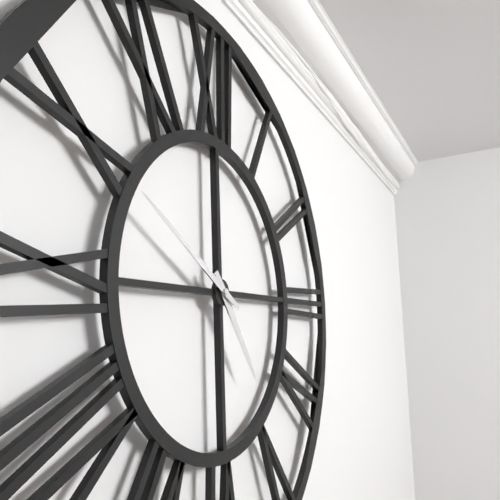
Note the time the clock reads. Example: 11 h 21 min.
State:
4 h 50 min
